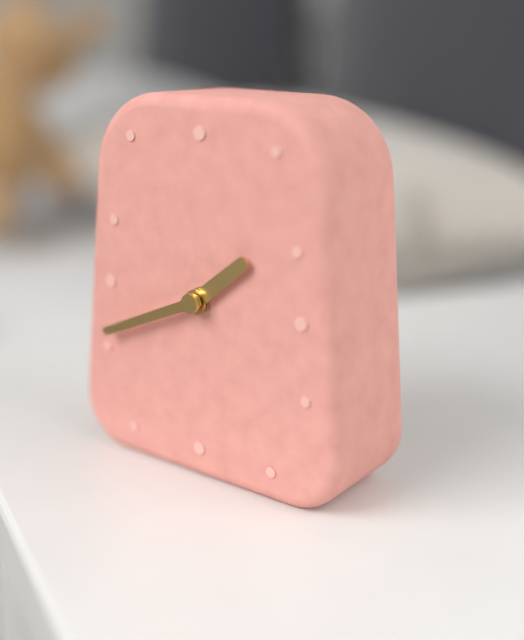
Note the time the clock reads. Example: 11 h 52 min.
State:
1 h 41 min
